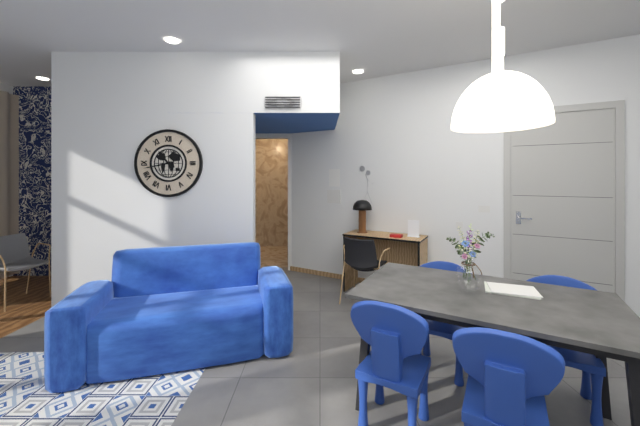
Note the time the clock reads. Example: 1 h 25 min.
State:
10 h 43 min
